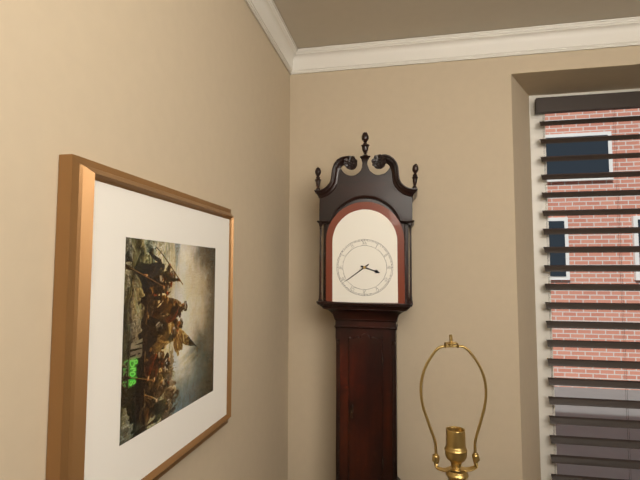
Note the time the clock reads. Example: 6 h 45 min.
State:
3 h 39 min
